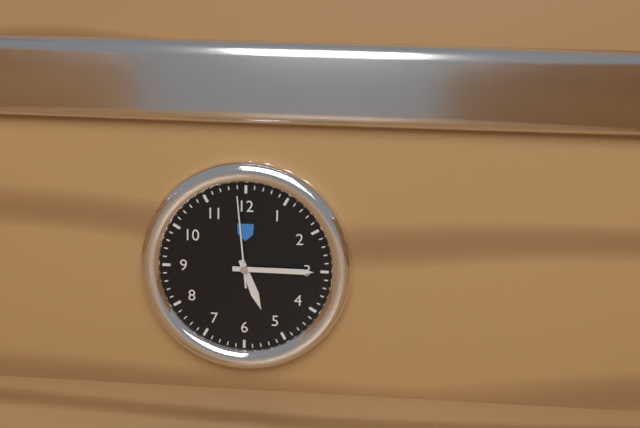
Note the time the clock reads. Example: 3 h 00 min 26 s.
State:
5 h 15 min 59 s
